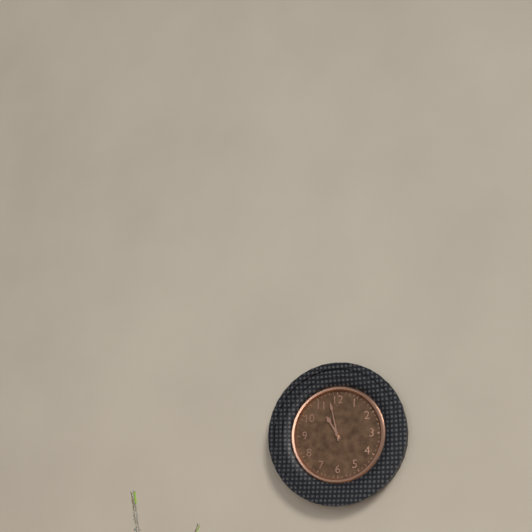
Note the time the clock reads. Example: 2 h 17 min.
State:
10 h 58 min
